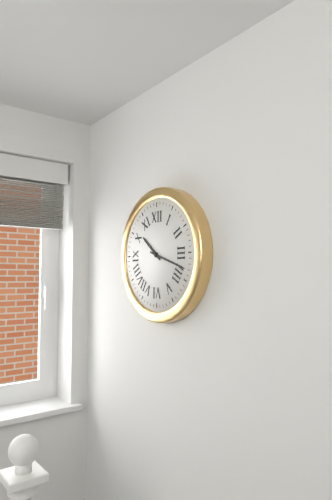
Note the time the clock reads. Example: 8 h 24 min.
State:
10 h 18 min
